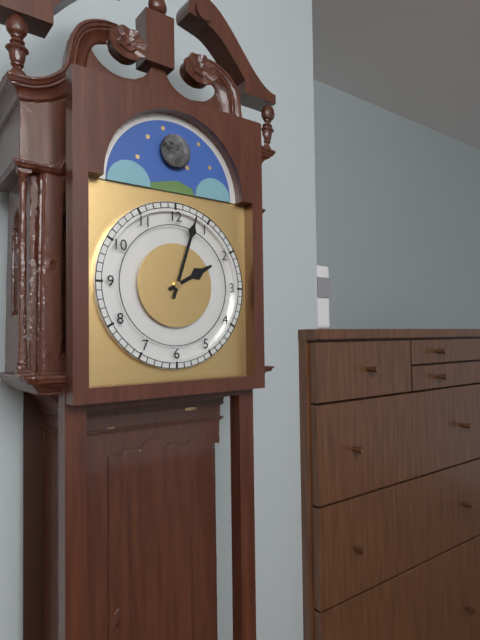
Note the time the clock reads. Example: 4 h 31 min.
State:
2 h 03 min
